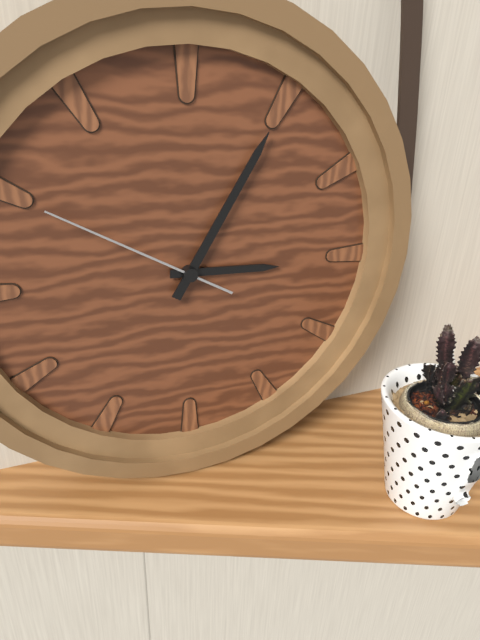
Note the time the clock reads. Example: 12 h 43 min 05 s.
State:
3 h 05 min 50 s
